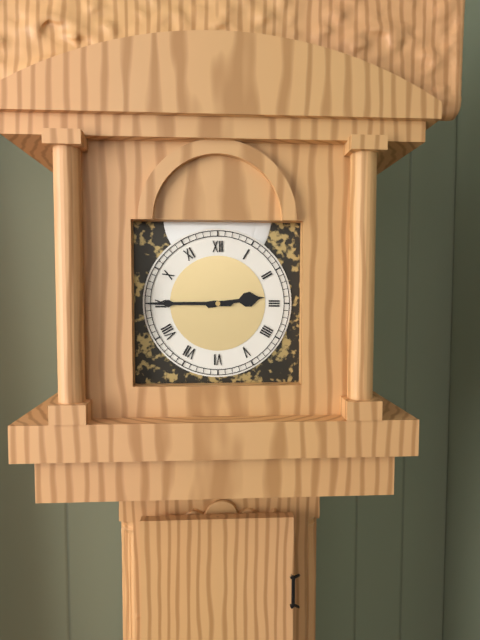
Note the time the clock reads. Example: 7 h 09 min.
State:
2 h 45 min
